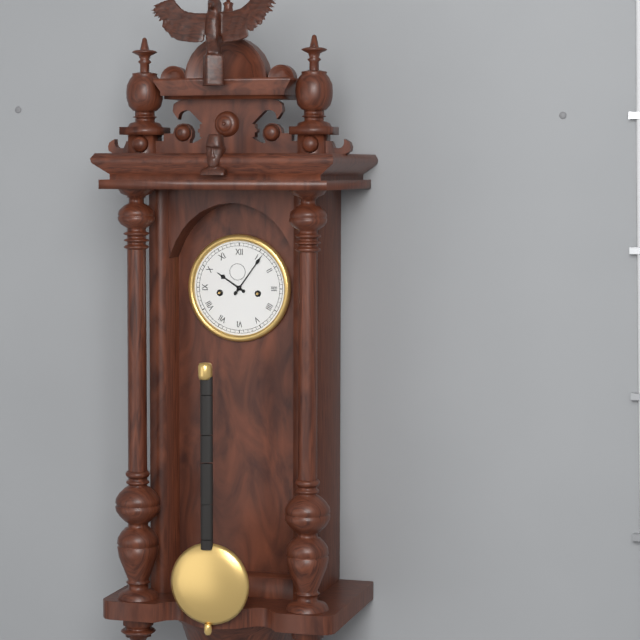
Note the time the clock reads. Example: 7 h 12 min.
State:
10 h 06 min
